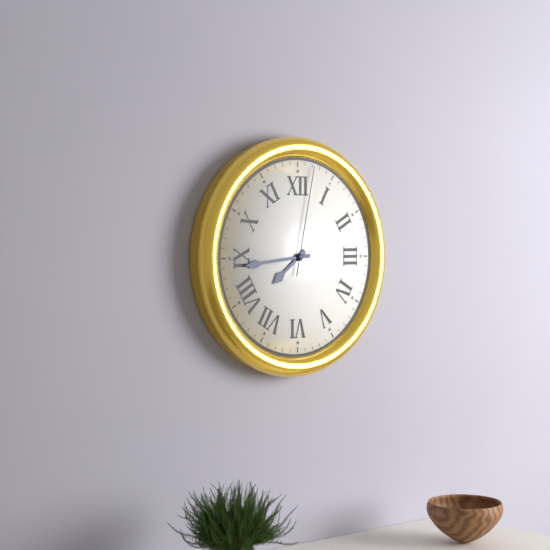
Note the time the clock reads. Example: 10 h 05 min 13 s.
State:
7 h 44 min 02 s
